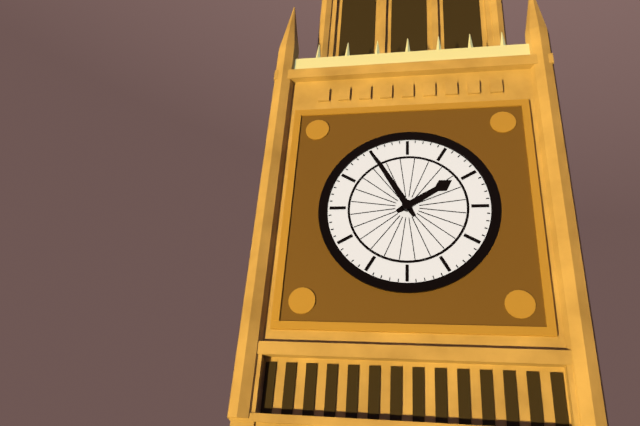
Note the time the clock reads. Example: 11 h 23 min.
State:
1 h 55 min
